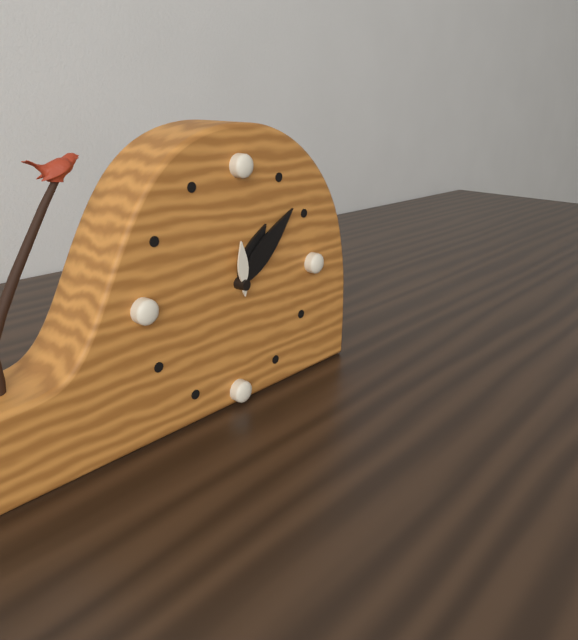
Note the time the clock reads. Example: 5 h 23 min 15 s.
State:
1 h 08 min 59 s
